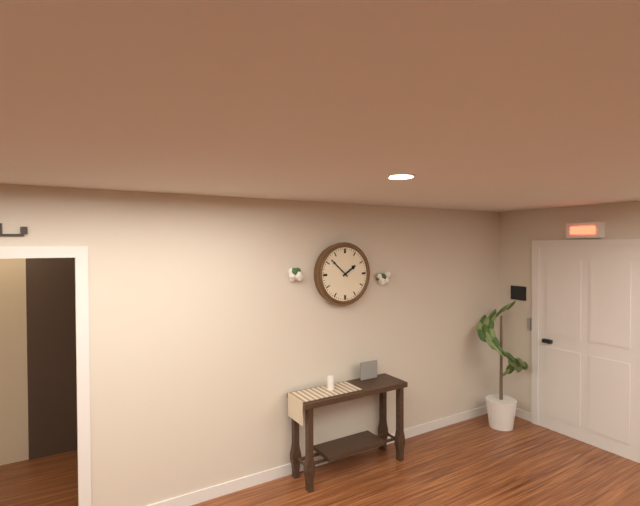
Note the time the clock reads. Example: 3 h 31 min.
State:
1 h 52 min
